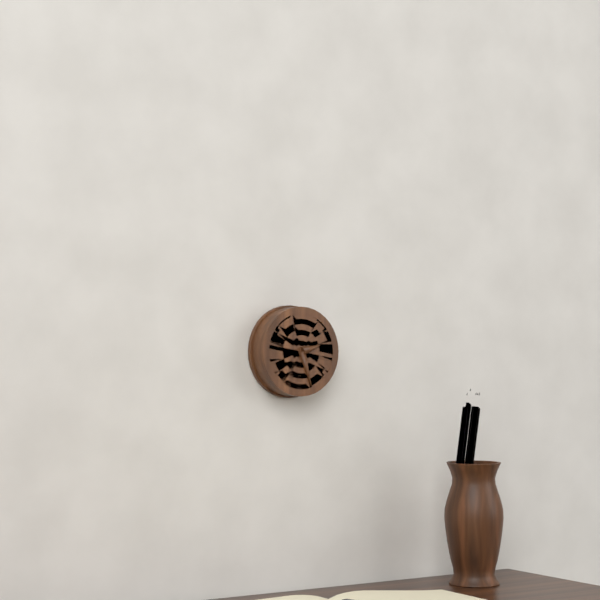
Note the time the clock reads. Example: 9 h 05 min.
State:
2 h 27 min
